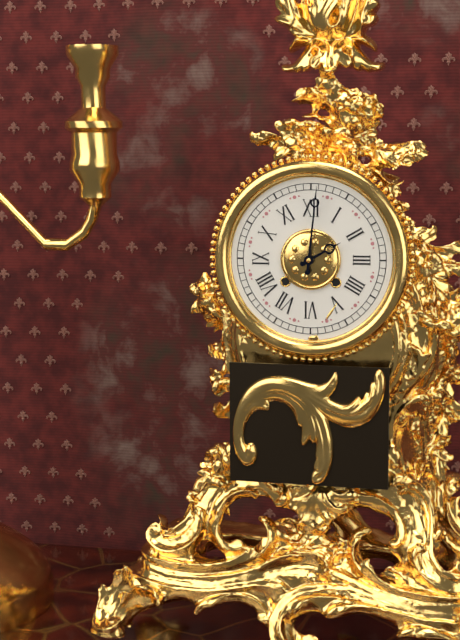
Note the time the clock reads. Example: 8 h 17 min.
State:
2 h 01 min
